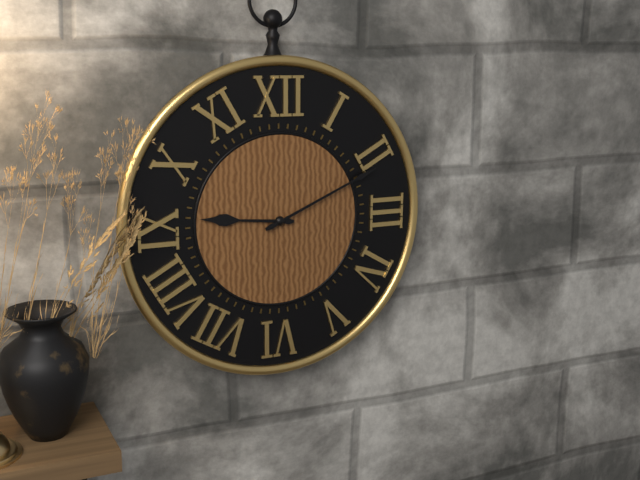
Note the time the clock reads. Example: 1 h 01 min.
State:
9 h 11 min
